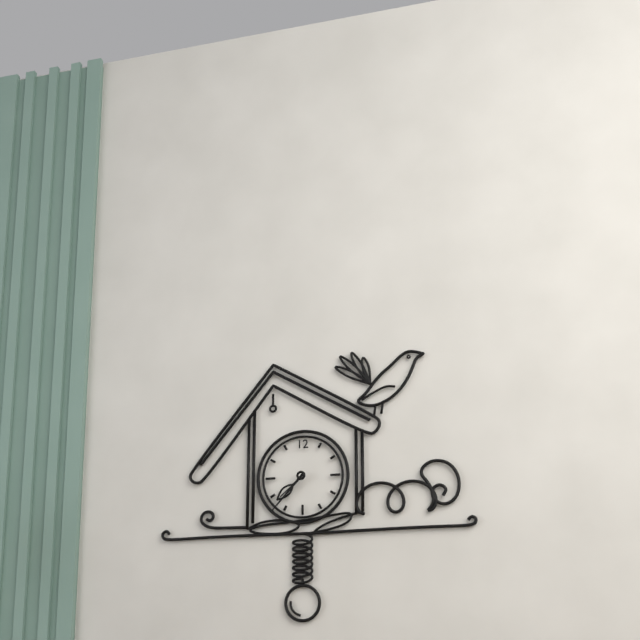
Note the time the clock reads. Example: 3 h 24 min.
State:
7 h 37 min
